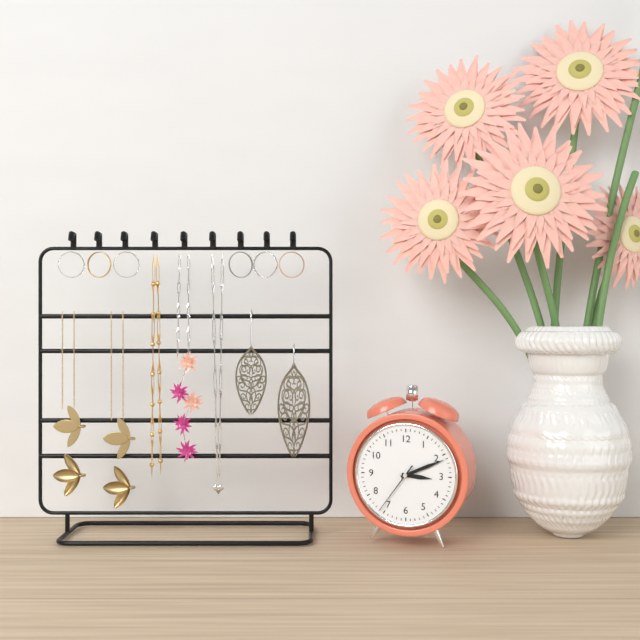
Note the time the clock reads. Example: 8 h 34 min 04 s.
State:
3 h 11 min 36 s
